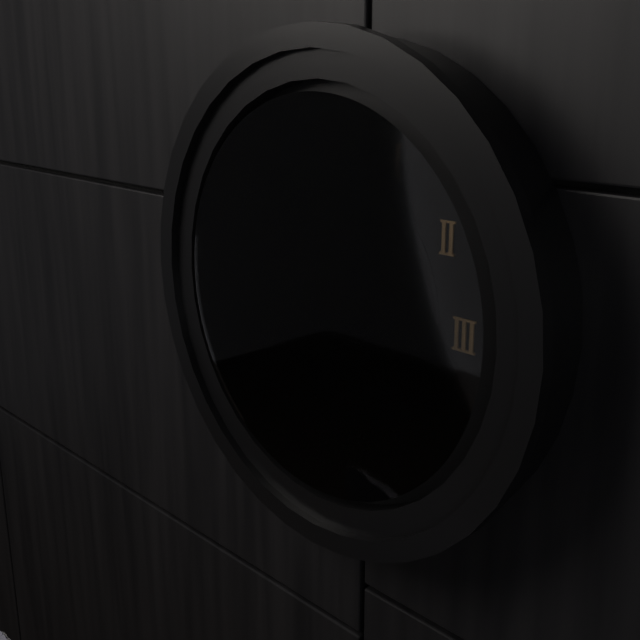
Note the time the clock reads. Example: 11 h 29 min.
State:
1 h 51 min
